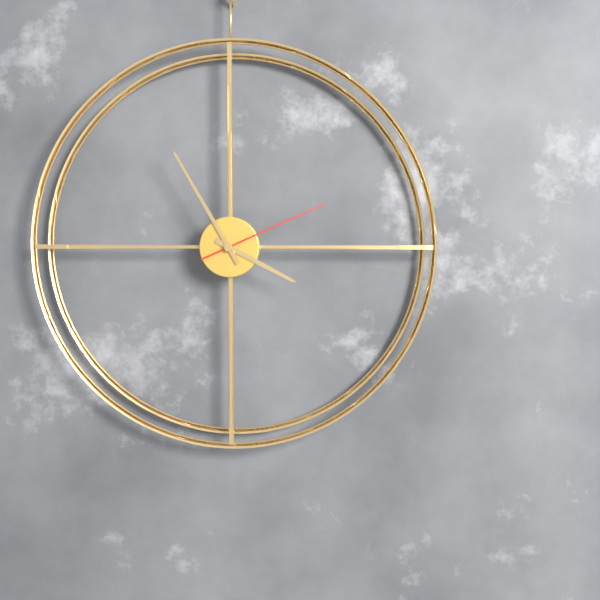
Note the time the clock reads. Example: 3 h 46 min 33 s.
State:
3 h 55 min 11 s
